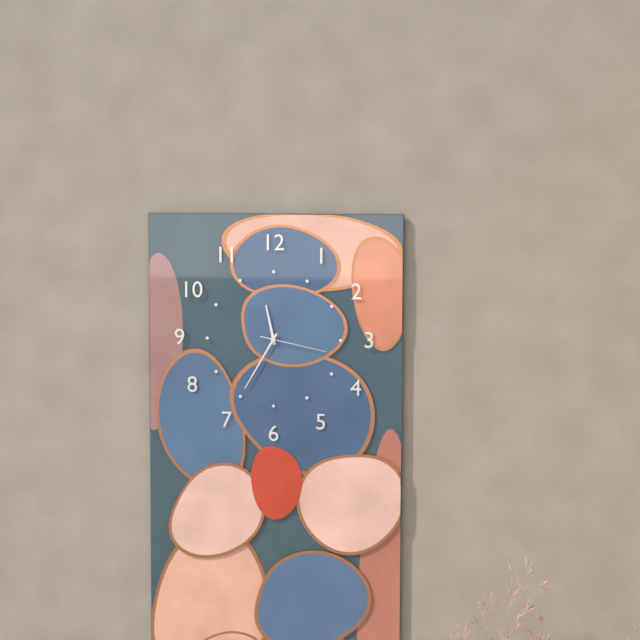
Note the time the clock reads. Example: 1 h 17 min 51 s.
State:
11 h 35 min 17 s
